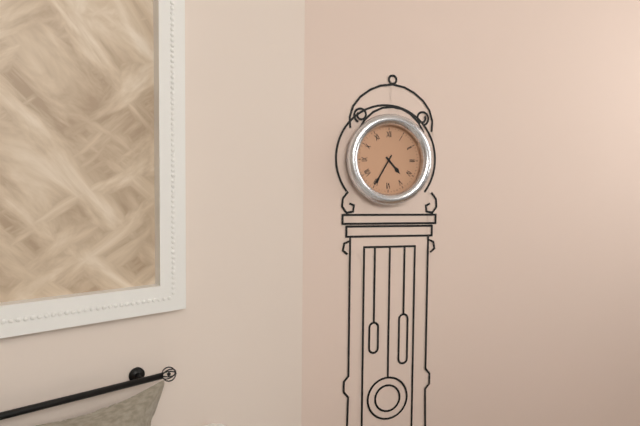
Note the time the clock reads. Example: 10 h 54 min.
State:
4 h 35 min
